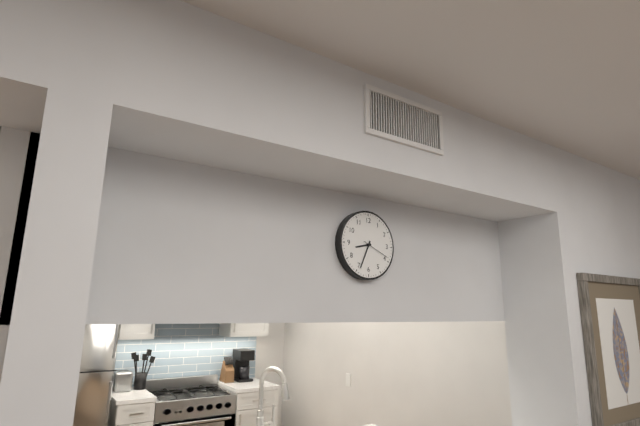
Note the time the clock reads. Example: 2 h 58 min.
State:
8 h 34 min
